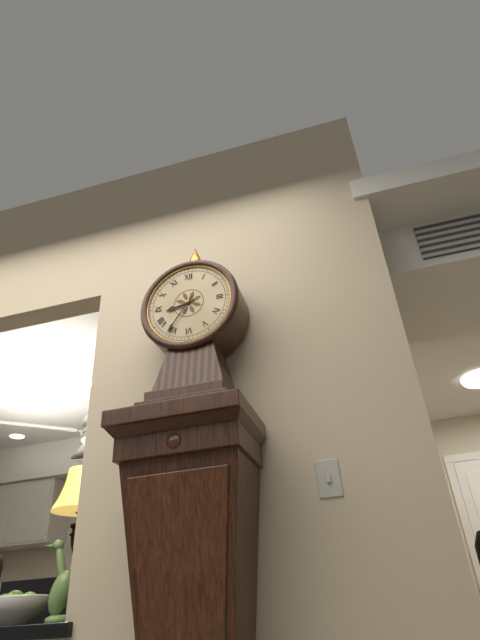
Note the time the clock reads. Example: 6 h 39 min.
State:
8 h 36 min
